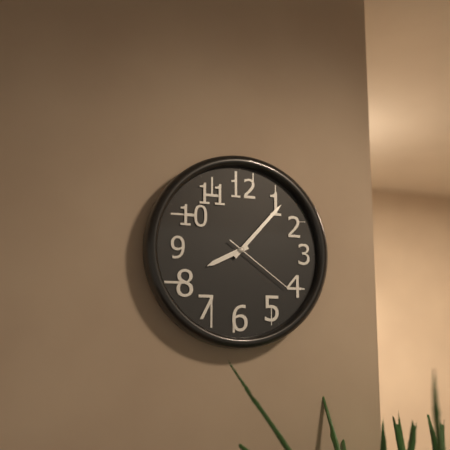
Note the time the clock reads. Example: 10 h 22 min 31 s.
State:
8 h 07 min 21 s
